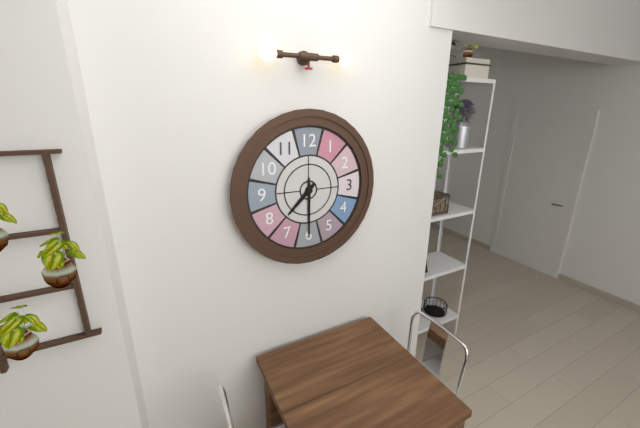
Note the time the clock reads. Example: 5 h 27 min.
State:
7 h 30 min
